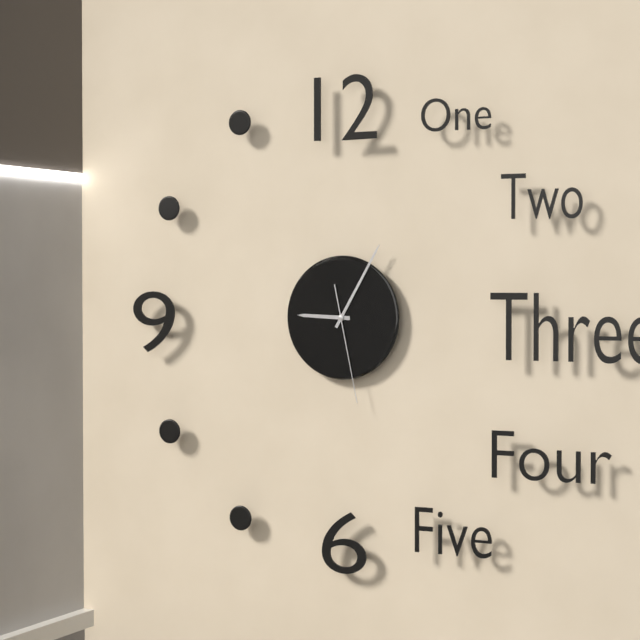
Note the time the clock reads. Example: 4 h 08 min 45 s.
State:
9 h 05 min 28 s
